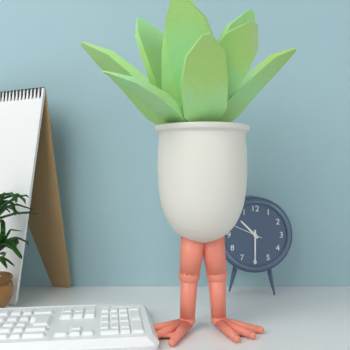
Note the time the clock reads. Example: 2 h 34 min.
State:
10 h 30 min
